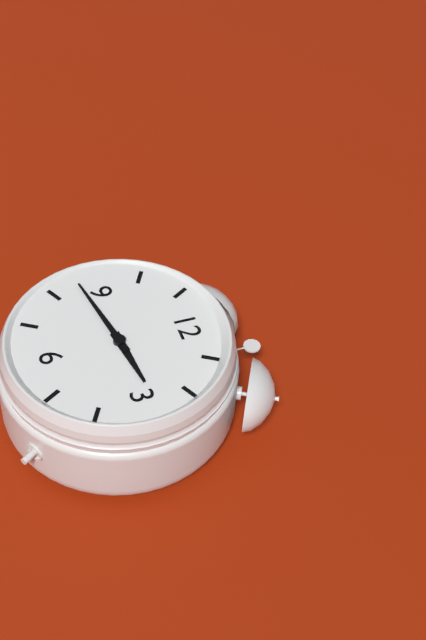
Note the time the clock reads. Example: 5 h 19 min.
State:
2 h 43 min
